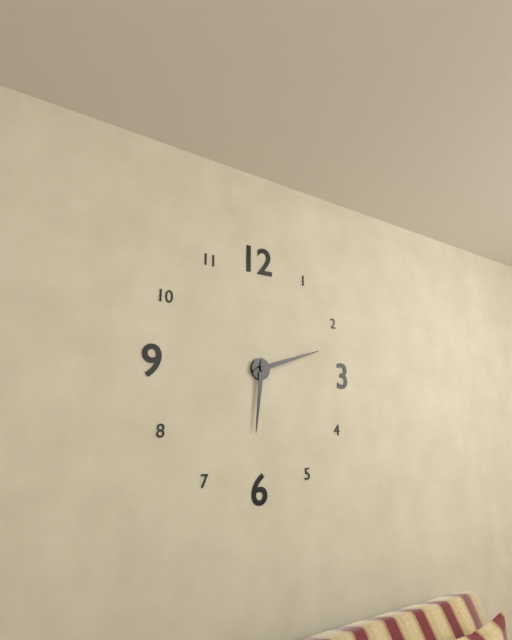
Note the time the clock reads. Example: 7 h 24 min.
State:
6 h 12 min
